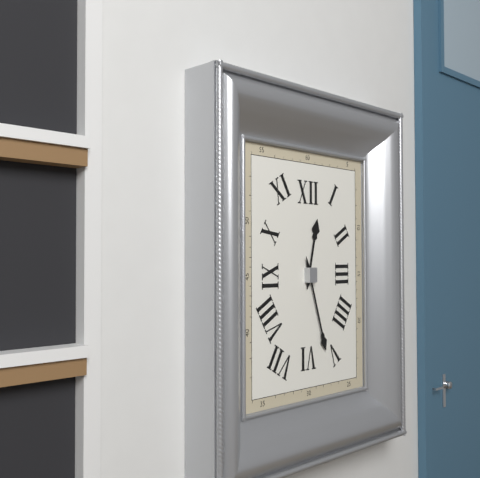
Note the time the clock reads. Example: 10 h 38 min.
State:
12 h 27 min
